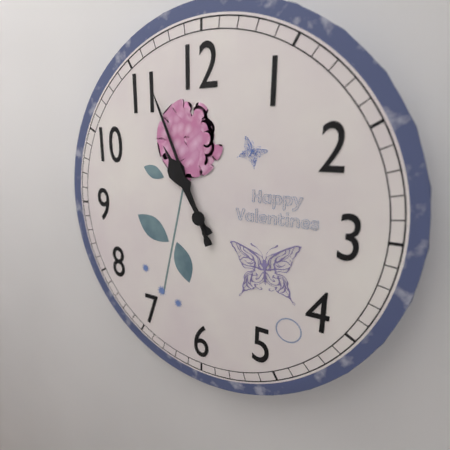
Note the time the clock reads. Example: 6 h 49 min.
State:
10 h 56 min
